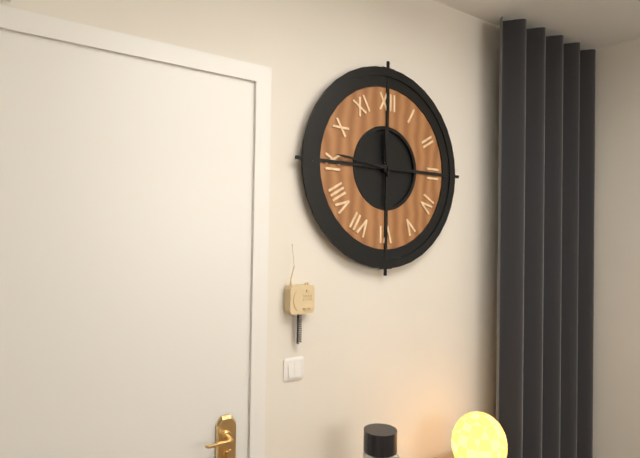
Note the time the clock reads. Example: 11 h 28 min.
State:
11 h 46 min
